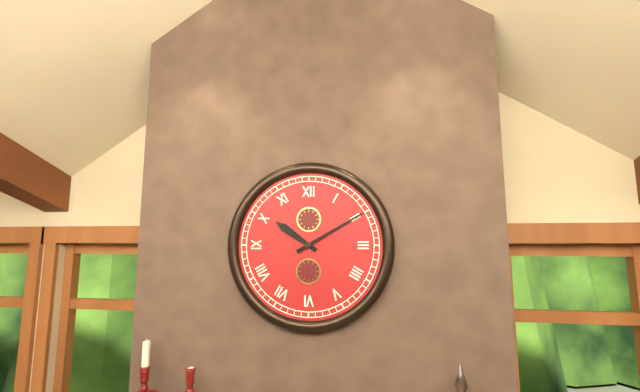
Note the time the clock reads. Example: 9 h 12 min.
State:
10 h 10 min
